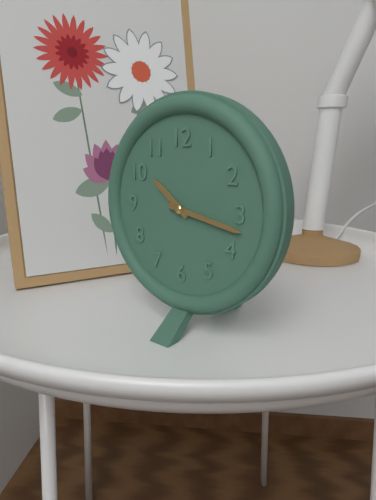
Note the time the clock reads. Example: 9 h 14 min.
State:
10 h 17 min
